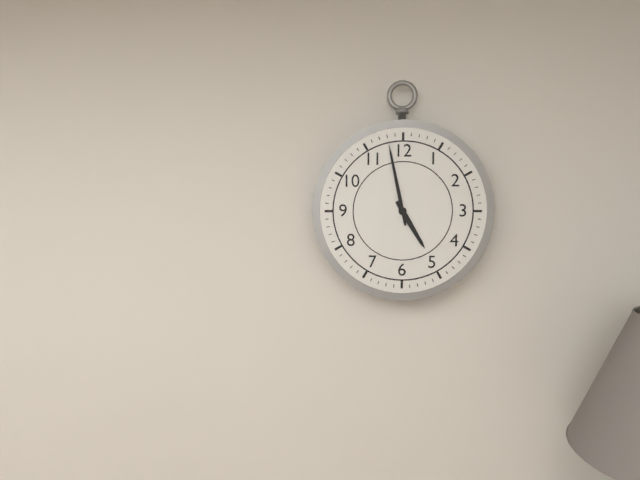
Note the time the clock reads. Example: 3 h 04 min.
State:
4 h 58 min
